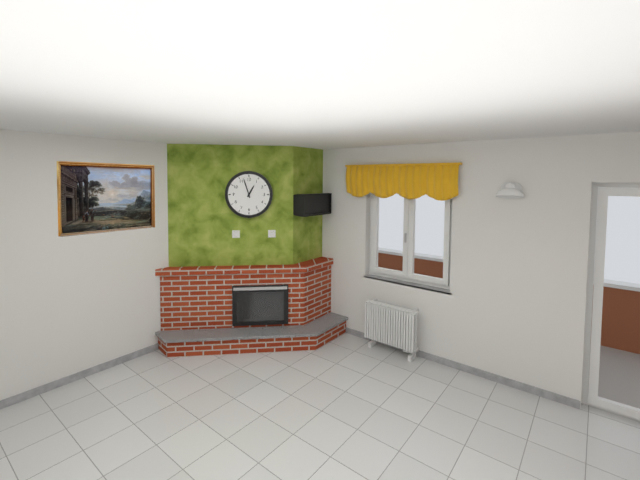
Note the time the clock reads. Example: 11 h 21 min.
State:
12 h 57 min
